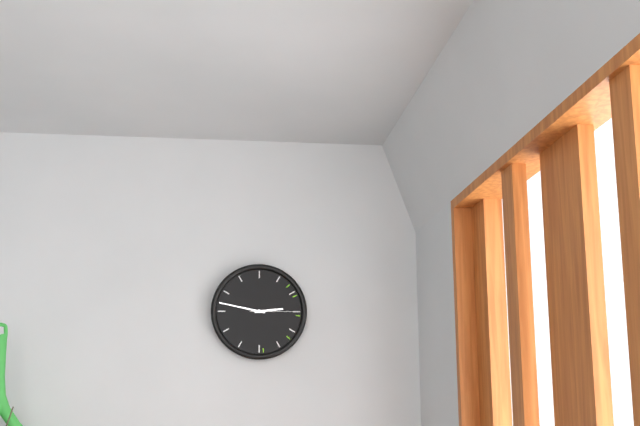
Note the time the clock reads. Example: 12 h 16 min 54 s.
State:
2 h 47 min 15 s
